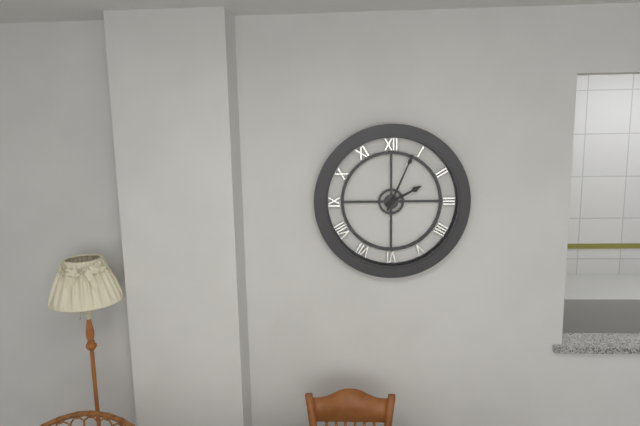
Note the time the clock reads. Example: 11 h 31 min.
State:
2 h 04 min
